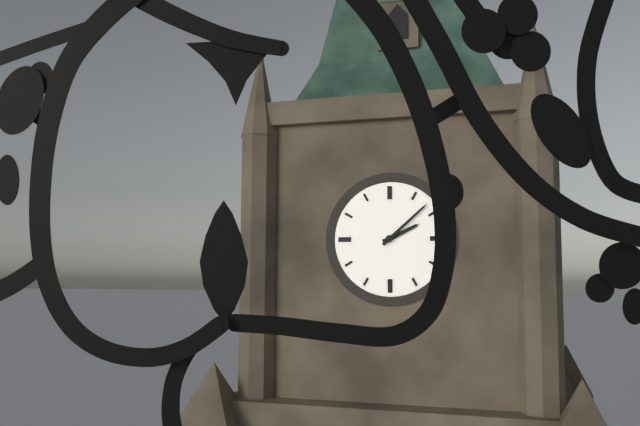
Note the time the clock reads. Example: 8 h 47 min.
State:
2 h 08 min
